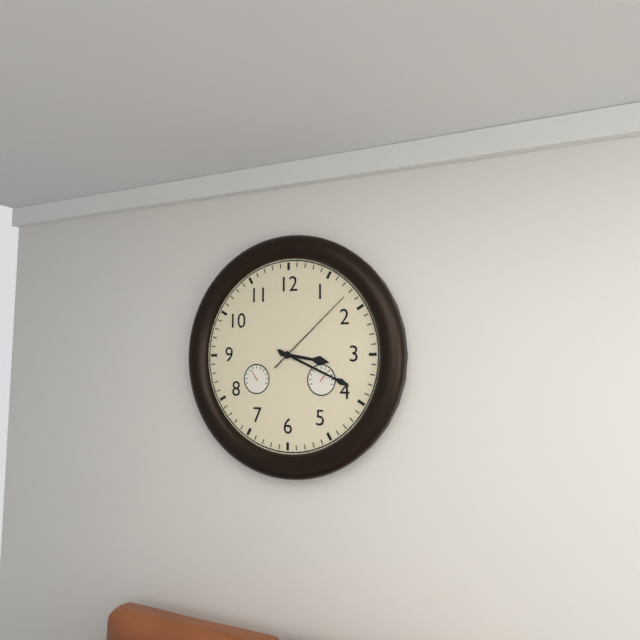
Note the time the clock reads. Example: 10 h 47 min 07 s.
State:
3 h 19 min 08 s
